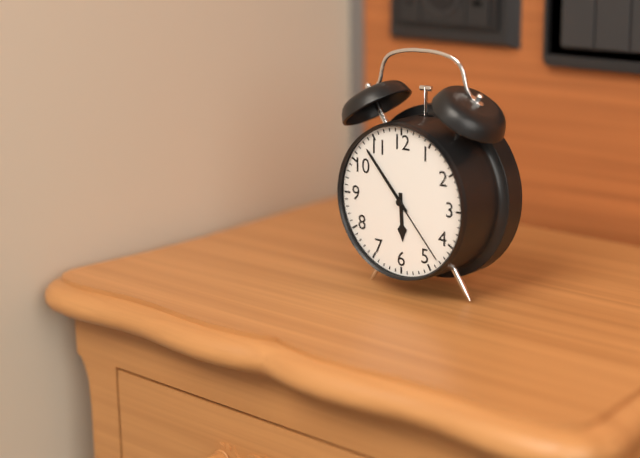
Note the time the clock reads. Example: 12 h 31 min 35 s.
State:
5 h 53 min 23 s
